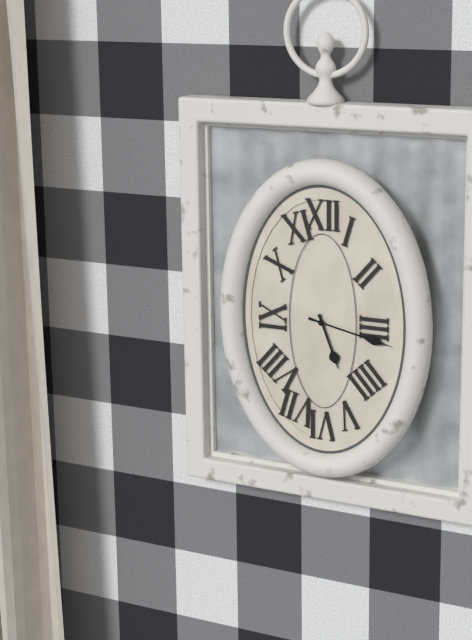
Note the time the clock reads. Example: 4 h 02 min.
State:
5 h 17 min
